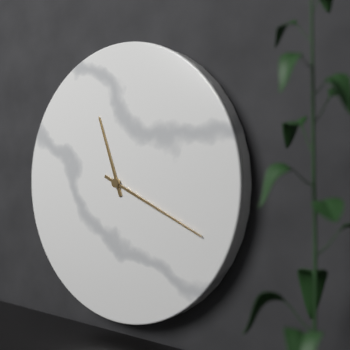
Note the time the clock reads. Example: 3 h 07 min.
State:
11 h 19 min
